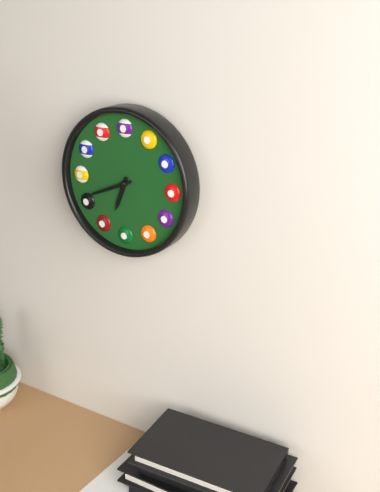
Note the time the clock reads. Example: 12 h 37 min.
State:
6 h 41 min
